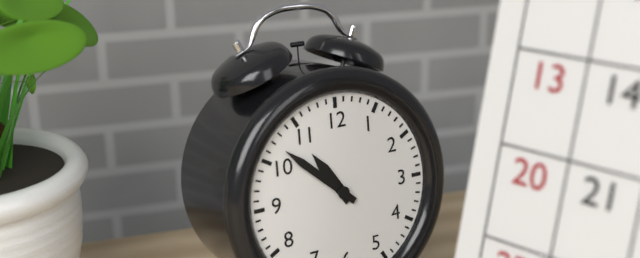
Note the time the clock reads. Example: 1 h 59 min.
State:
10 h 52 min
